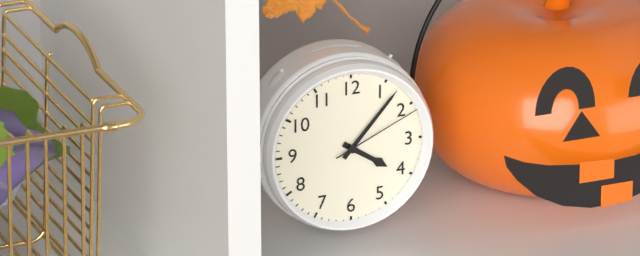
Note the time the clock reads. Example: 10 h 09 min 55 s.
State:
4 h 07 min 11 s
